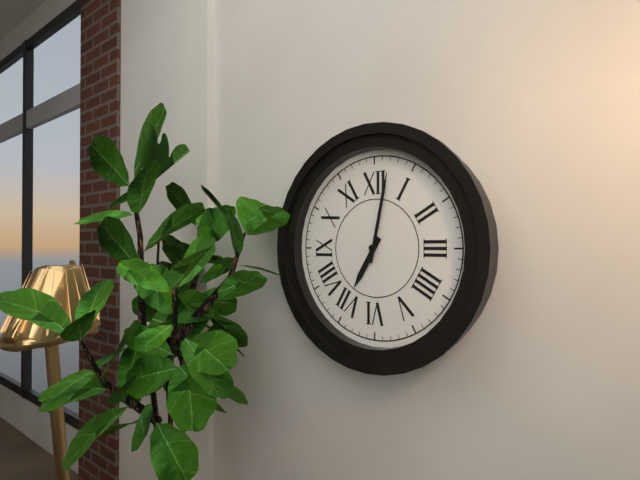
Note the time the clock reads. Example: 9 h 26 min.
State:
7 h 02 min
